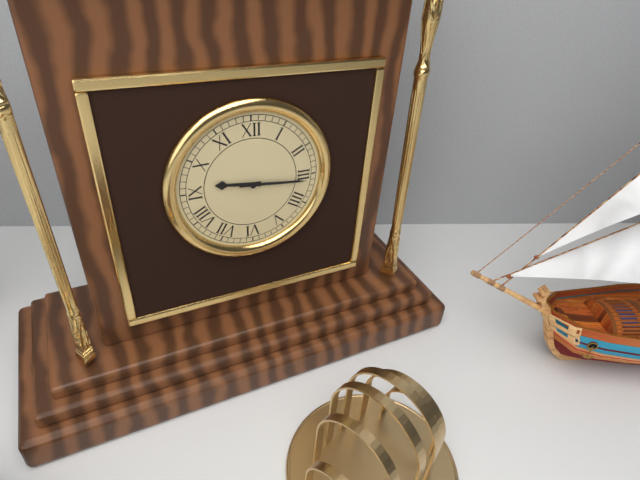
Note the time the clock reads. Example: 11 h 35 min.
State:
9 h 16 min
